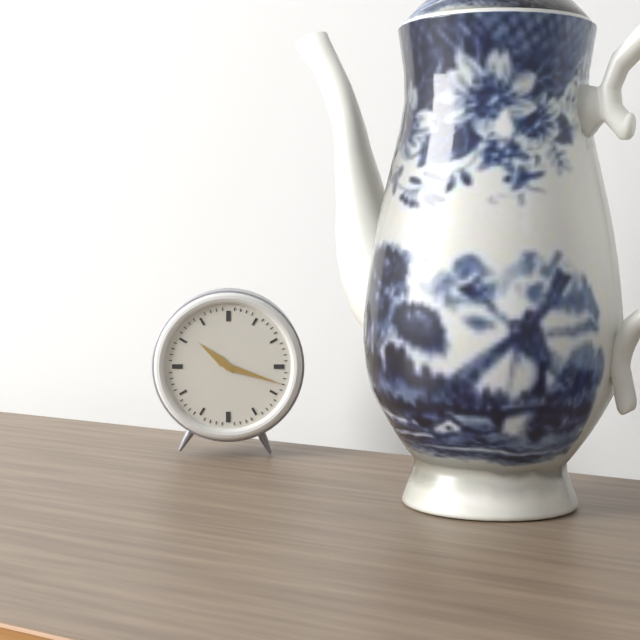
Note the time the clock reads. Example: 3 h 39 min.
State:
10 h 18 min
